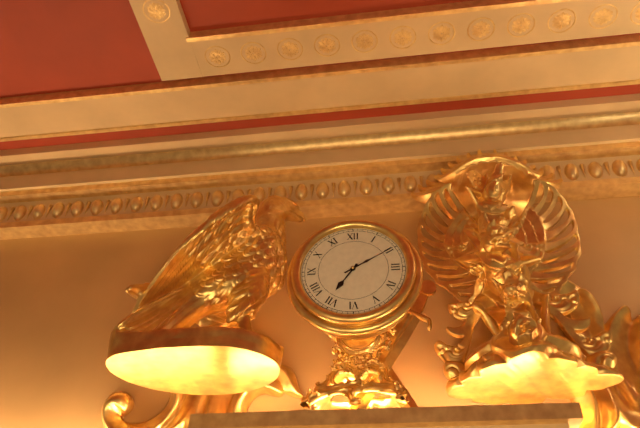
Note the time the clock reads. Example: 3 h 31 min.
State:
7 h 10 min
